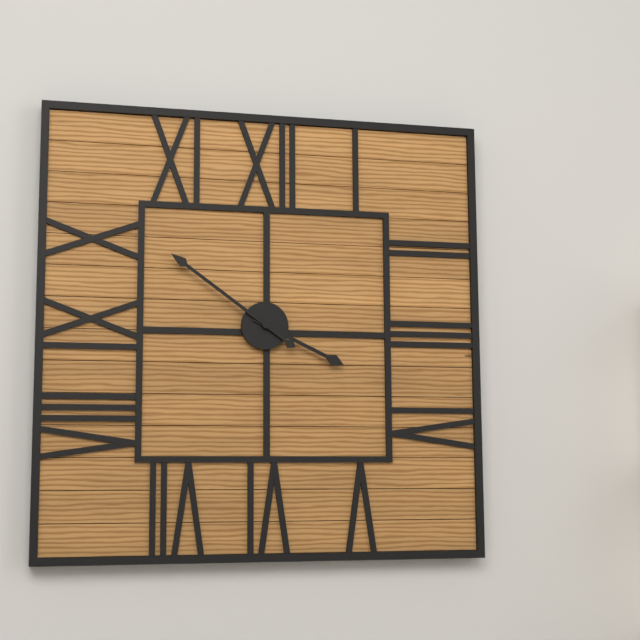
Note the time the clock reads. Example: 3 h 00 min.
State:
3 h 51 min
